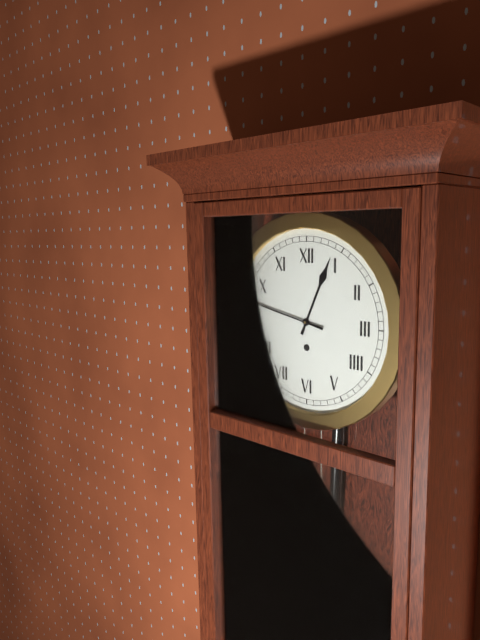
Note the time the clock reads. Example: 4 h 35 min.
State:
12 h 47 min
